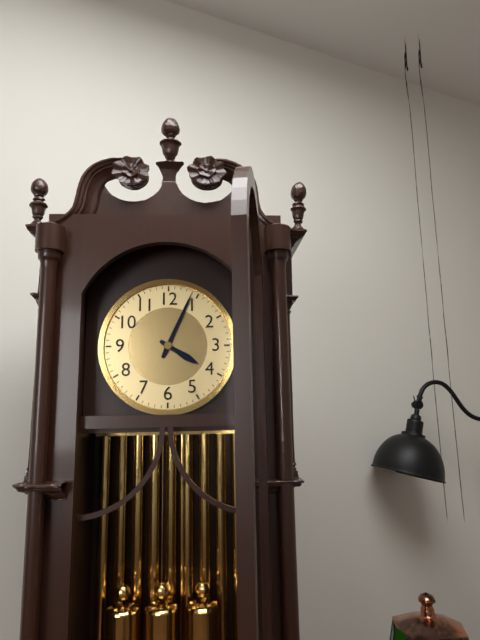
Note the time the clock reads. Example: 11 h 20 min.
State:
4 h 04 min
